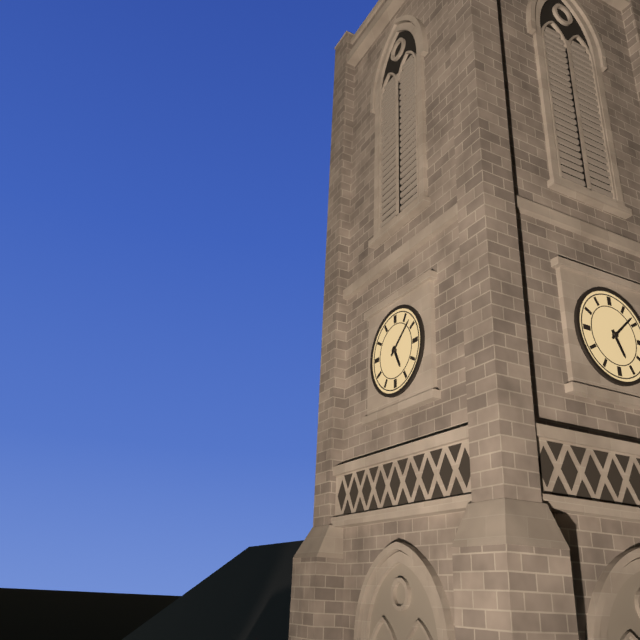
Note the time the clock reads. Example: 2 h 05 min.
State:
5 h 08 min
